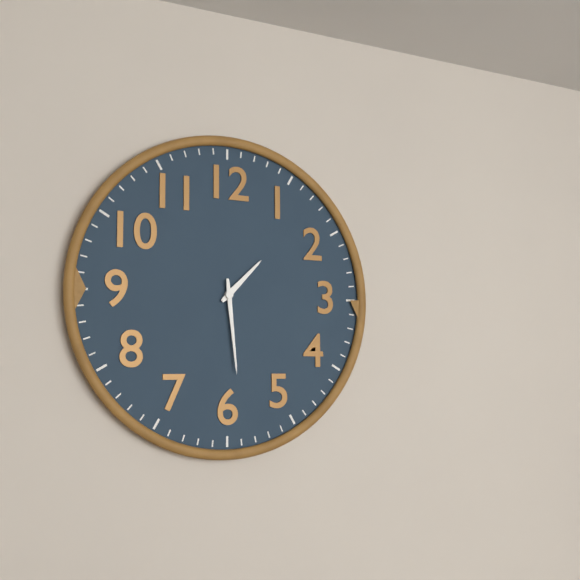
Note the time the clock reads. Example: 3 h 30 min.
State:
1 h 29 min
